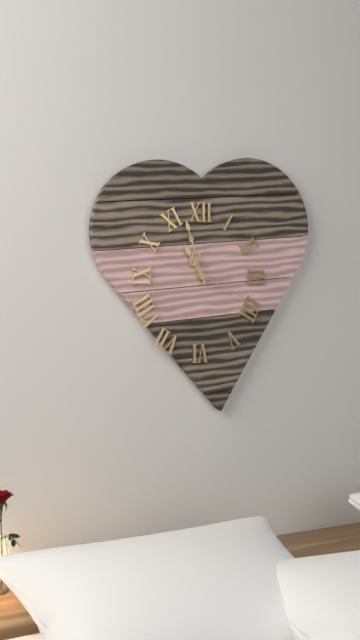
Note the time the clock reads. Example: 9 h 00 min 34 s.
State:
10 h 57 min 19 s
